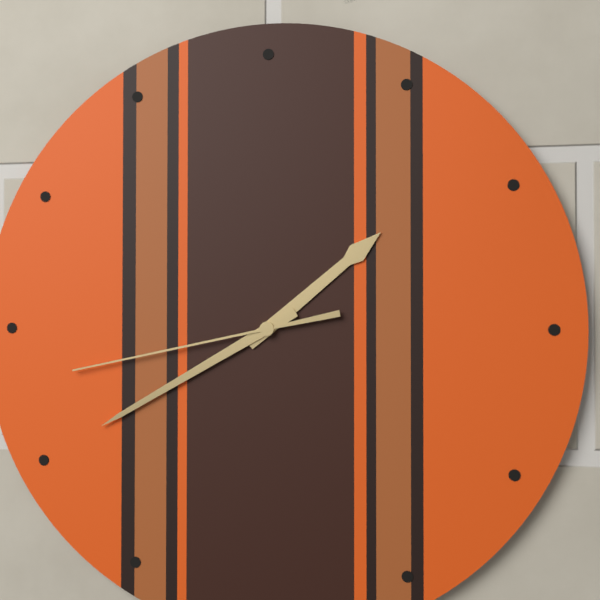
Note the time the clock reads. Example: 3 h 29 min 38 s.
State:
1 h 40 min 43 s
